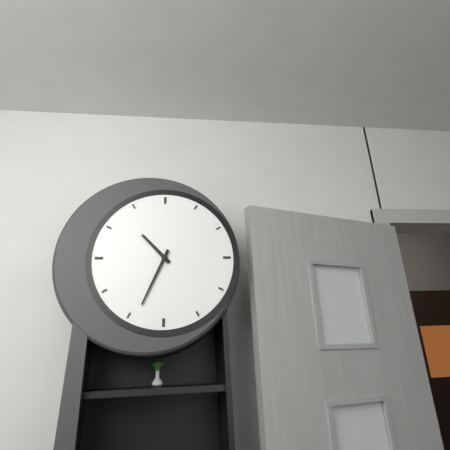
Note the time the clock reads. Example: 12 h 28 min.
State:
10 h 34 min
